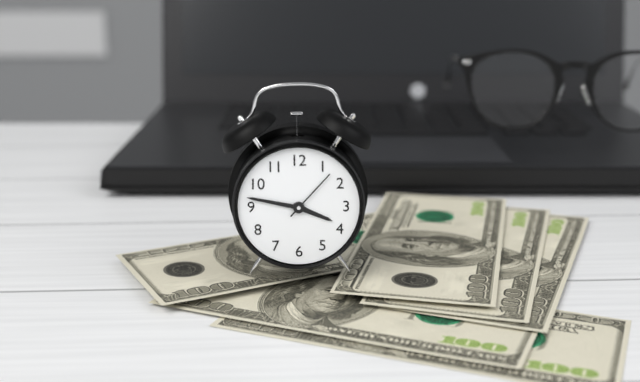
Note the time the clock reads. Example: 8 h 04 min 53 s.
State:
3 h 47 min 07 s
